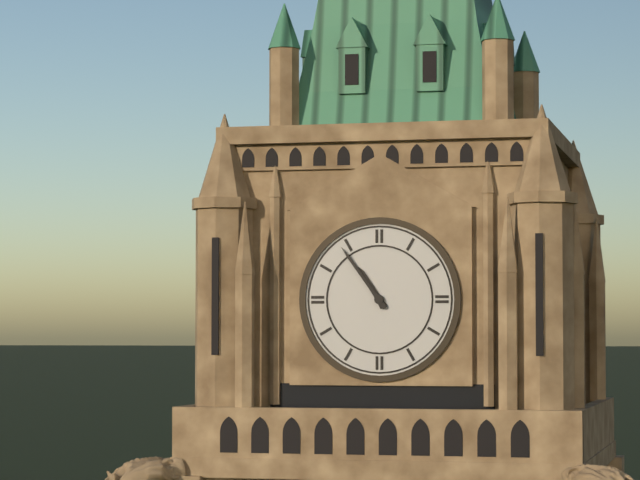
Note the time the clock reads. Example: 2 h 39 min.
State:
10 h 54 min
